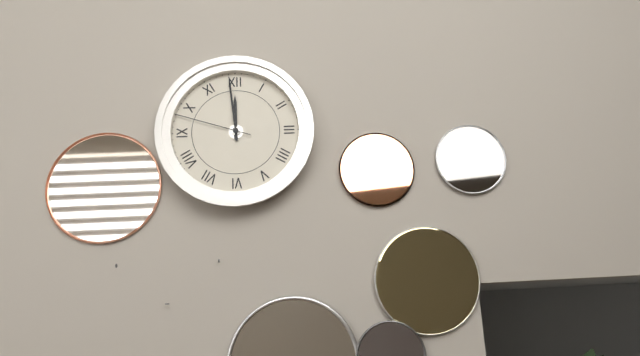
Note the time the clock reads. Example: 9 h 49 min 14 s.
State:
11 h 59 min 48 s
